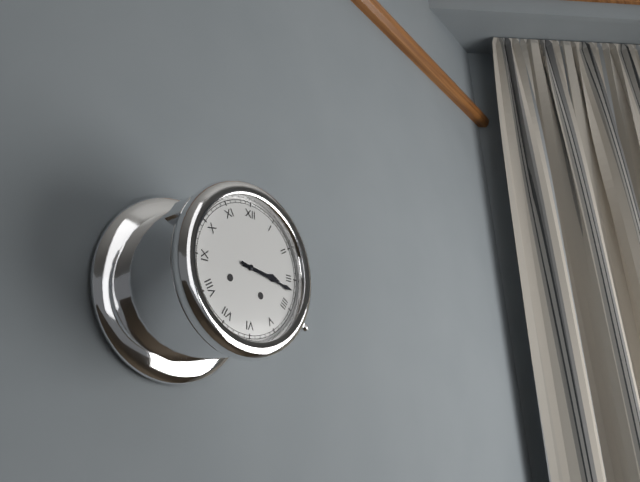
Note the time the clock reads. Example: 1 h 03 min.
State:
3 h 17 min
